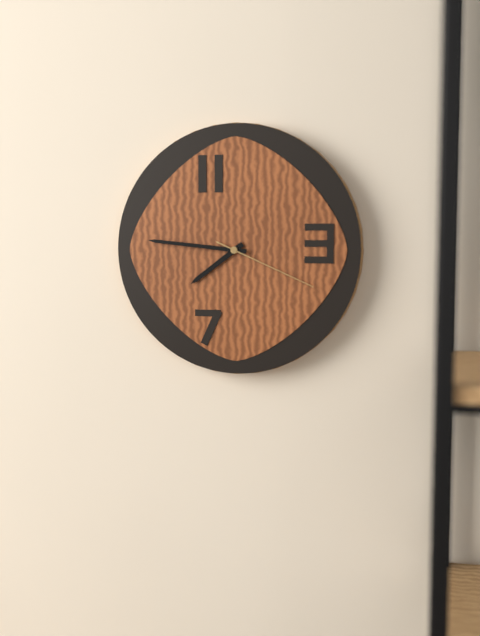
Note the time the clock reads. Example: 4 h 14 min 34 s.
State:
7 h 46 min 19 s
